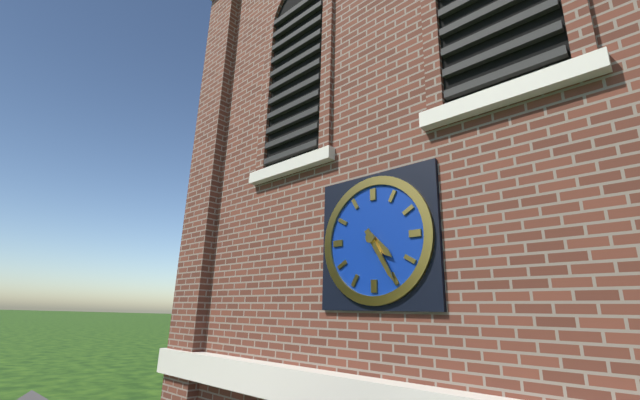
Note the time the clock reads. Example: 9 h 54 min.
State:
4 h 25 min
